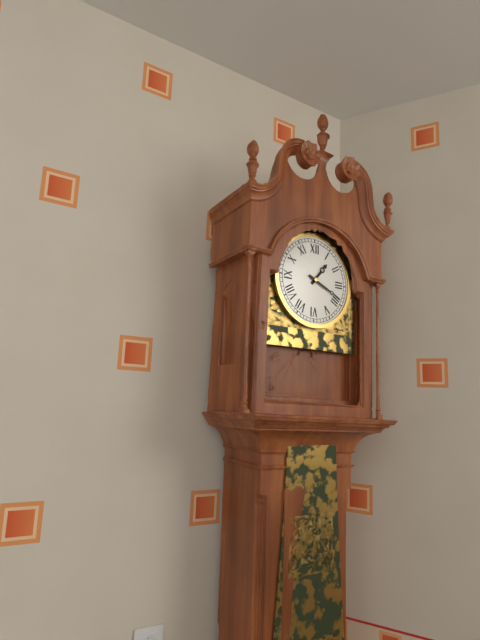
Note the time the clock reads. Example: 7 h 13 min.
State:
1 h 19 min
